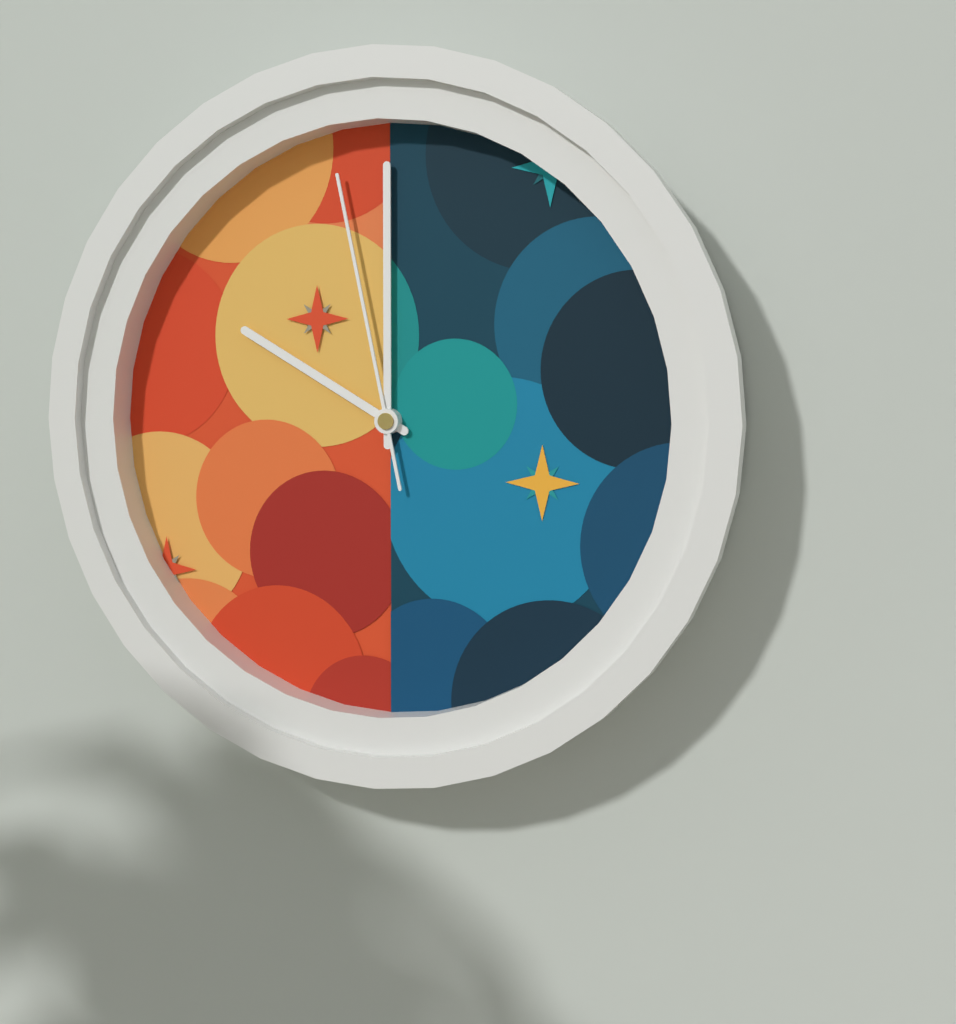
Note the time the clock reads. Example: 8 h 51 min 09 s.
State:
10 h 00 min 58 s
